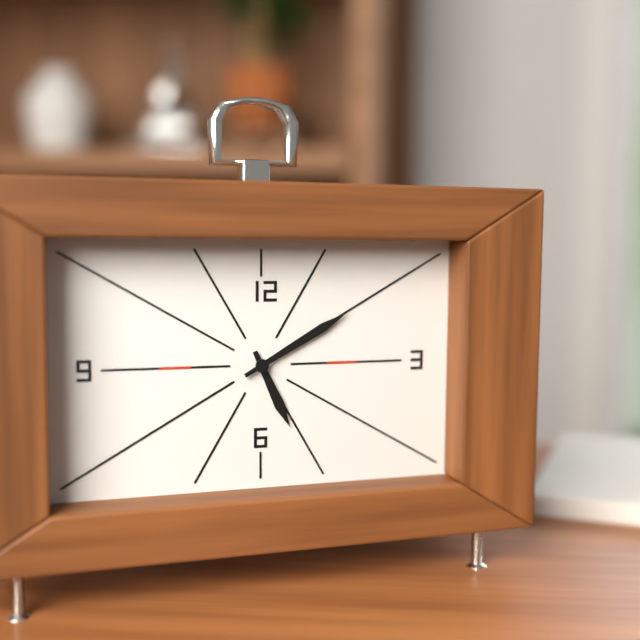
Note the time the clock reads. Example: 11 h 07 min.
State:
5 h 10 min
